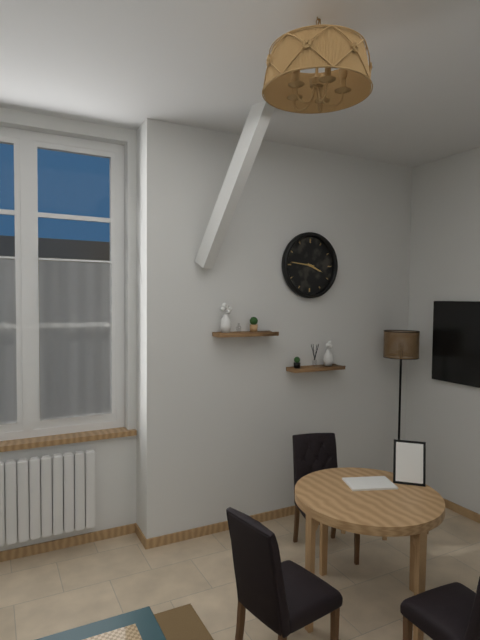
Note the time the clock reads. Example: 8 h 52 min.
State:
3 h 46 min
